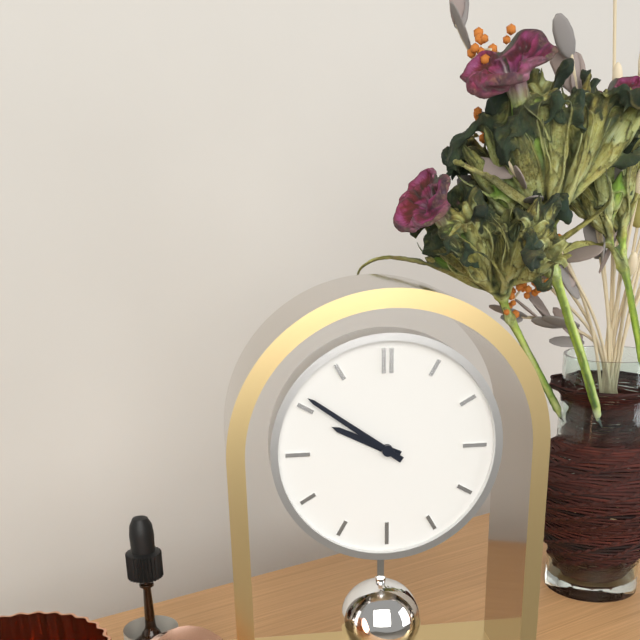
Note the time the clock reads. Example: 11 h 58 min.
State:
9 h 51 min
